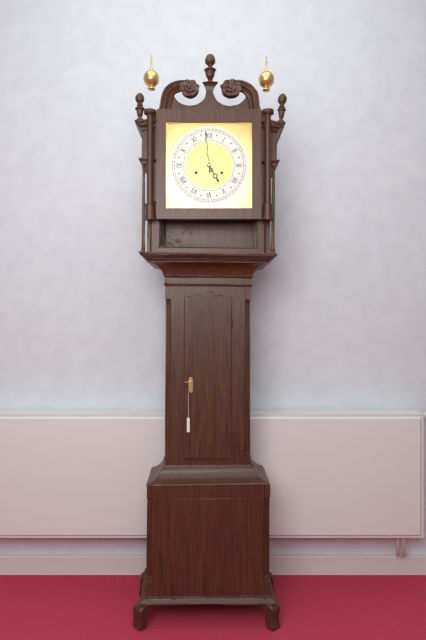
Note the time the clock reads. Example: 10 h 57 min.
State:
4 h 59 min
